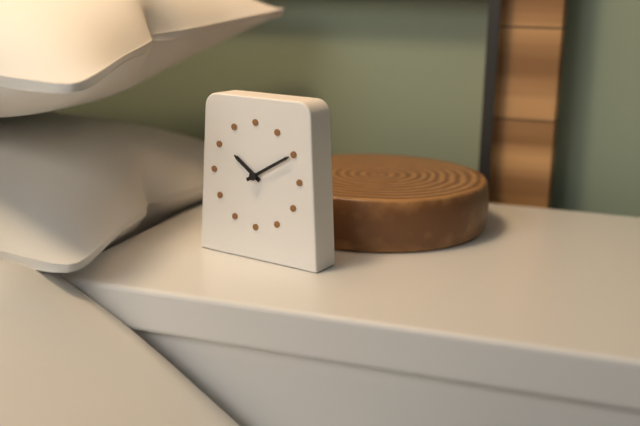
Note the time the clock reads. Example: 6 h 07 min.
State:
10 h 10 min
